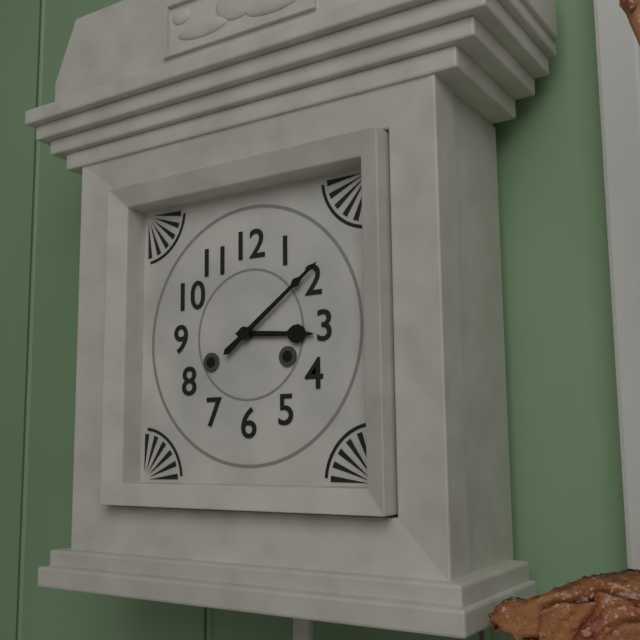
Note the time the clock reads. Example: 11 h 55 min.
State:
3 h 09 min
